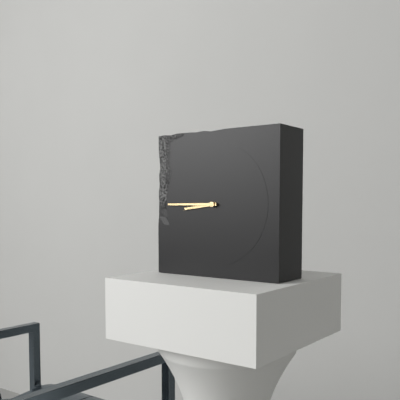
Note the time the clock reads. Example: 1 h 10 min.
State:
8 h 45 min
